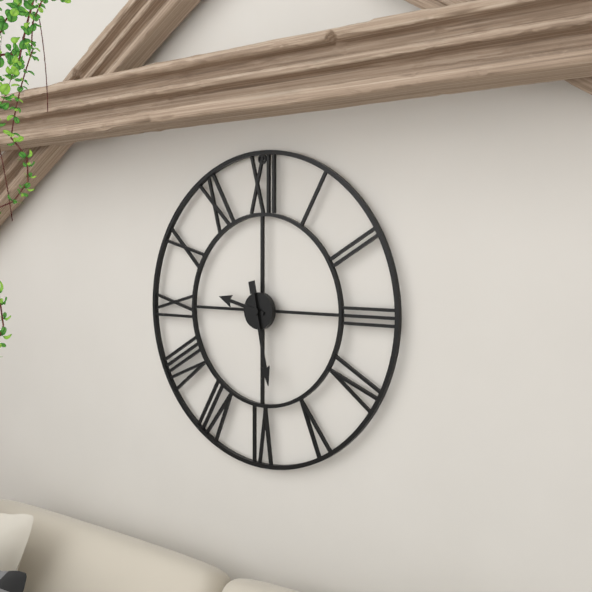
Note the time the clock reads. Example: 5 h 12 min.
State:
9 h 28 min
